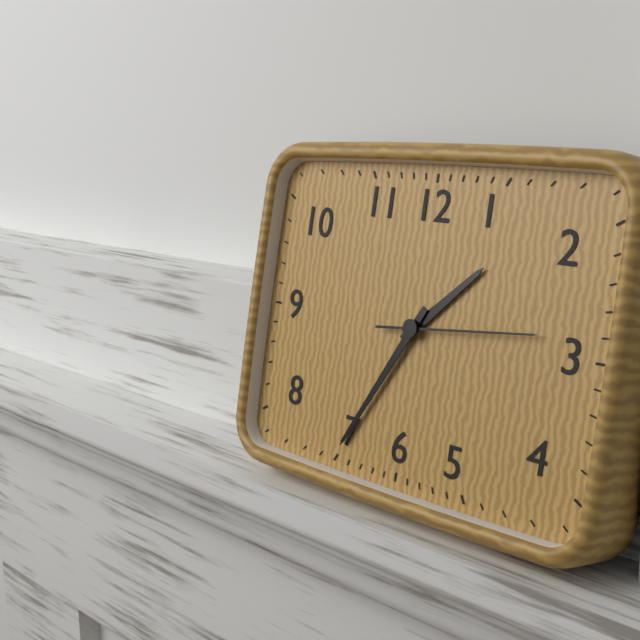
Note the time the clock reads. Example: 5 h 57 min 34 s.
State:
1 h 35 min 14 s
